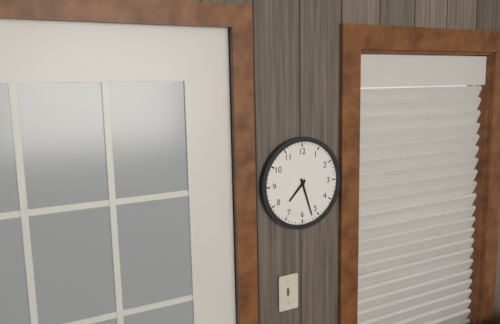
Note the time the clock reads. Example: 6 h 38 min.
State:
7 h 27 min
